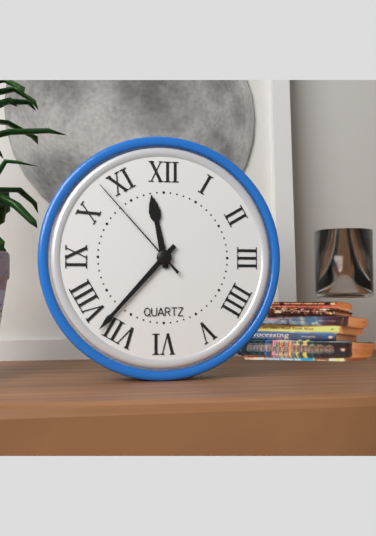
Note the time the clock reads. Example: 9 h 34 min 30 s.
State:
11 h 37 min 53 s
